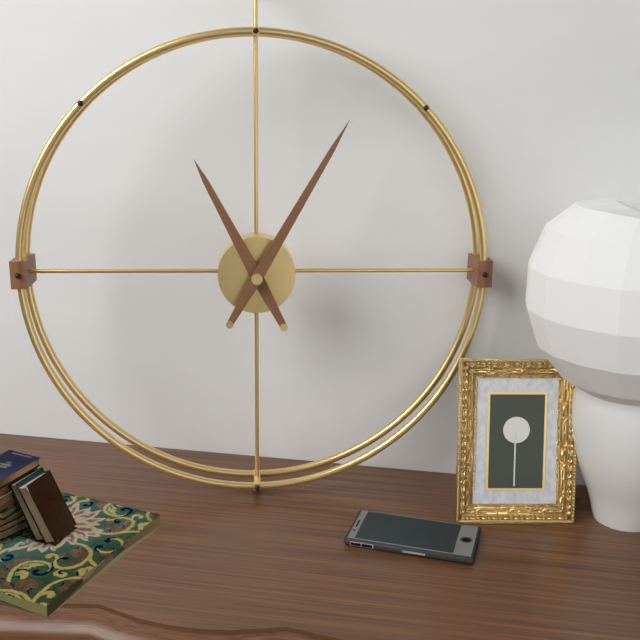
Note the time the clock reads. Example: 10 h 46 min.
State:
11 h 05 min
